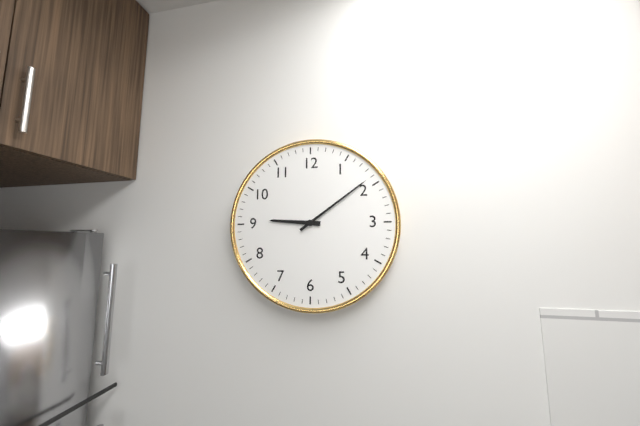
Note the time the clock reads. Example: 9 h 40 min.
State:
9 h 09 min
